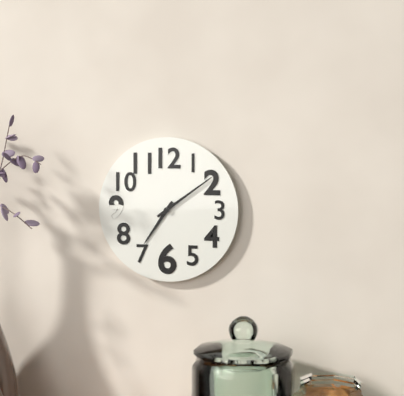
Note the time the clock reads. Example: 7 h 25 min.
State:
7 h 09 min
